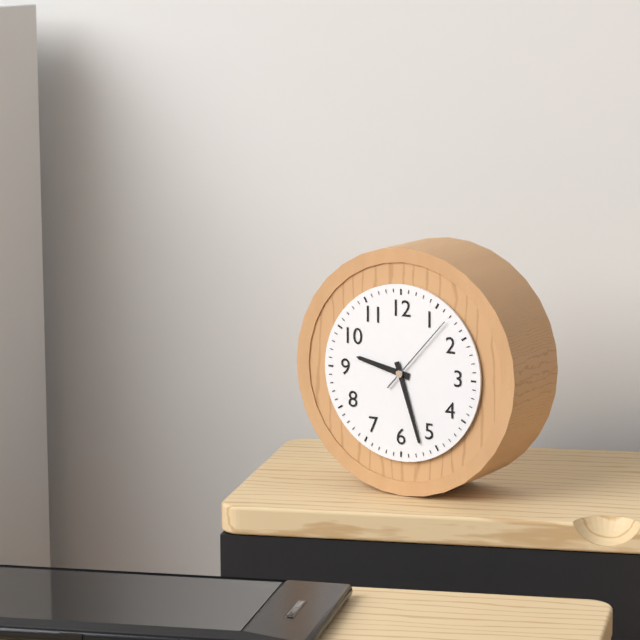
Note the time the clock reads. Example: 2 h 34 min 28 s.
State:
9 h 27 min 07 s
